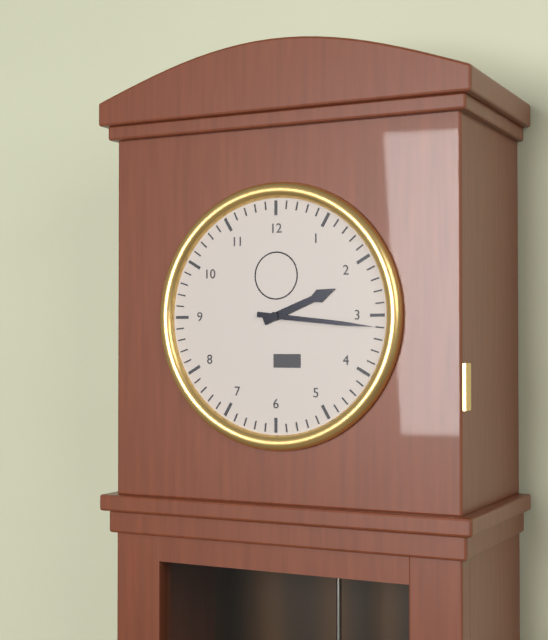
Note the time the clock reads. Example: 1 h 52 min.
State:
2 h 16 min
